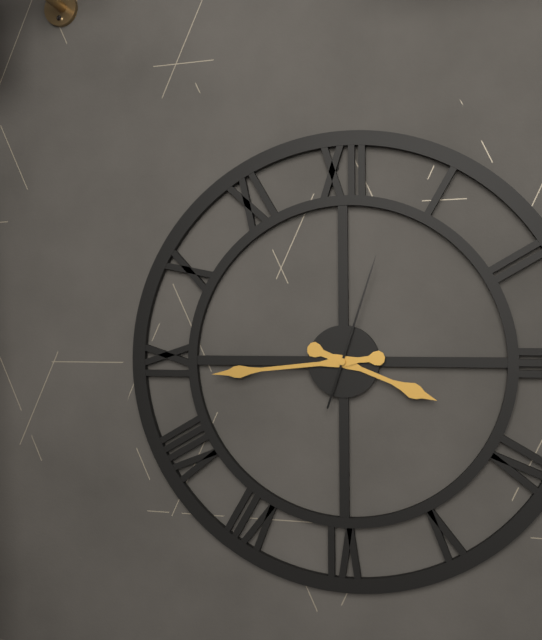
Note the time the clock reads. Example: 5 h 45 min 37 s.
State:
3 h 44 min 03 s
